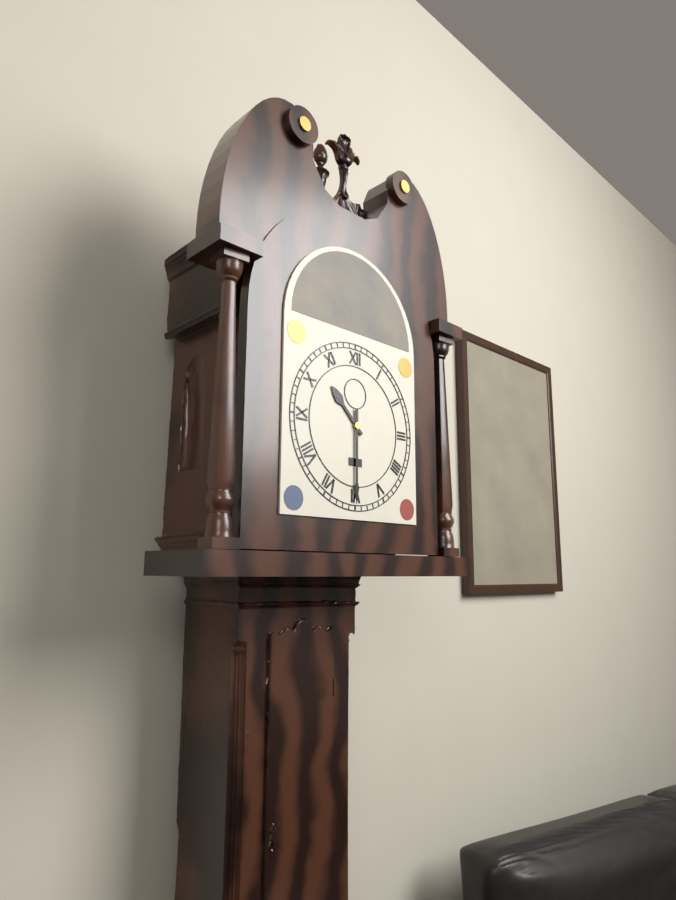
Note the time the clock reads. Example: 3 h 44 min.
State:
10 h 30 min
